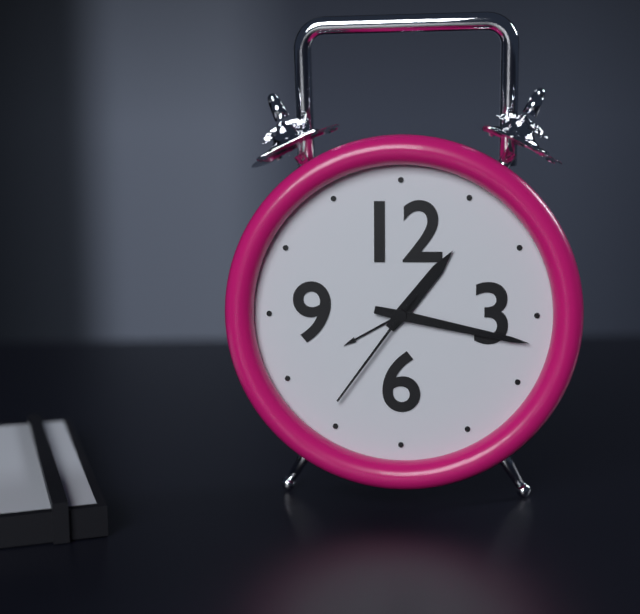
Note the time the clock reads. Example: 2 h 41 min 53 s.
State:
1 h 17 min 36 s
